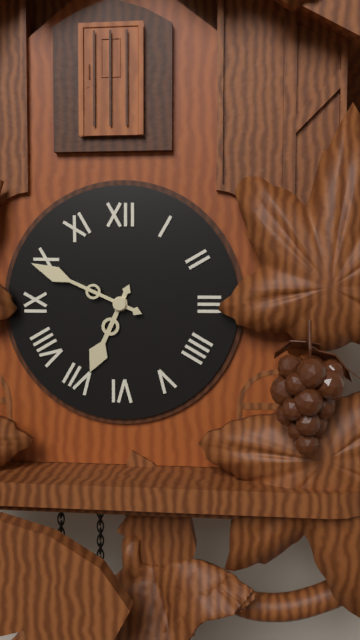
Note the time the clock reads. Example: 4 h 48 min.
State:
6 h 49 min
